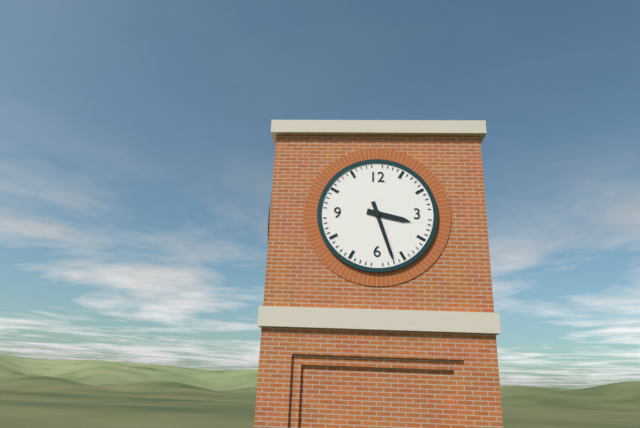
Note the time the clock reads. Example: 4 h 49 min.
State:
3 h 27 min
